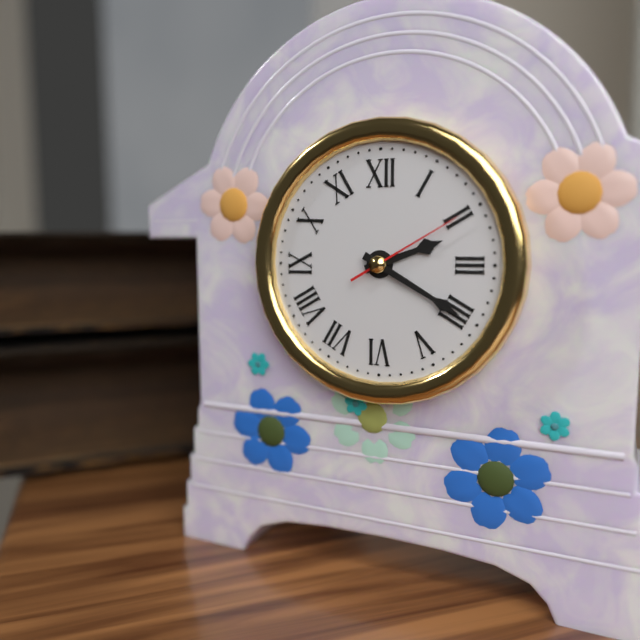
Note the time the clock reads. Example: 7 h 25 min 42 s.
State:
2 h 20 min 10 s
